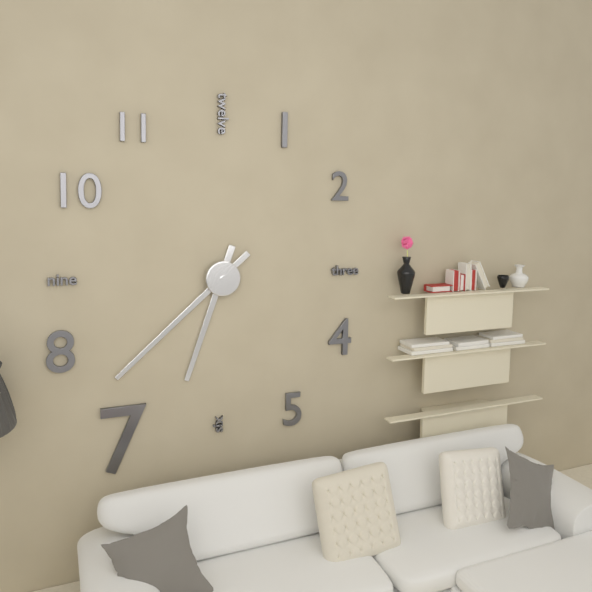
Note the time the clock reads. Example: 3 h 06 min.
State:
6 h 38 min
